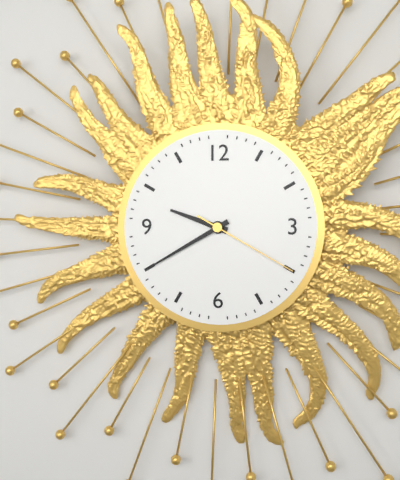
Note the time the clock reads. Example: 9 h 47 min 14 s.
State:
9 h 40 min 20 s
